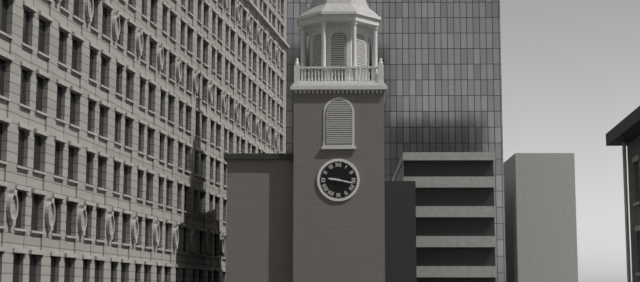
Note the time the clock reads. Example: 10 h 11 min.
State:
9 h 17 min
